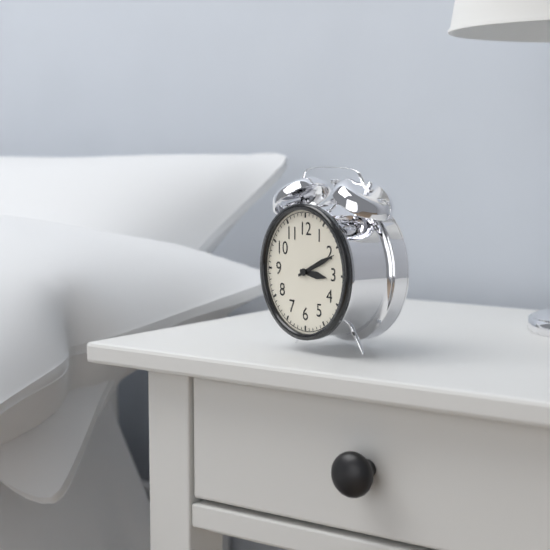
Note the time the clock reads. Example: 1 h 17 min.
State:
3 h 11 min
